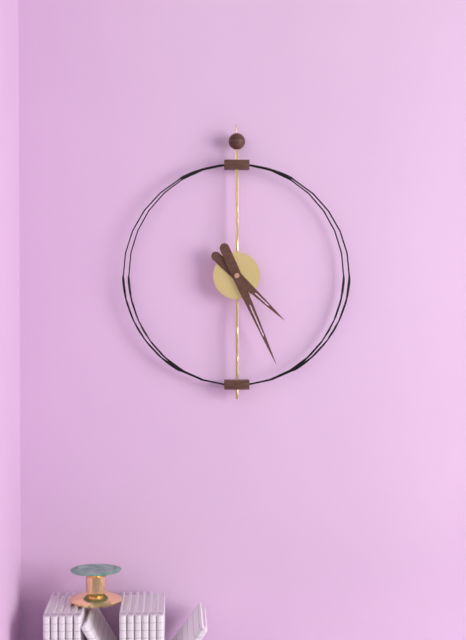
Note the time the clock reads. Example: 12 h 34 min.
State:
4 h 26 min
